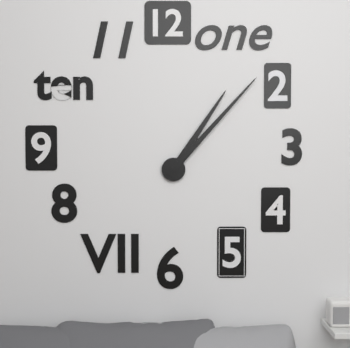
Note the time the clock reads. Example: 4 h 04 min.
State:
1 h 07 min
